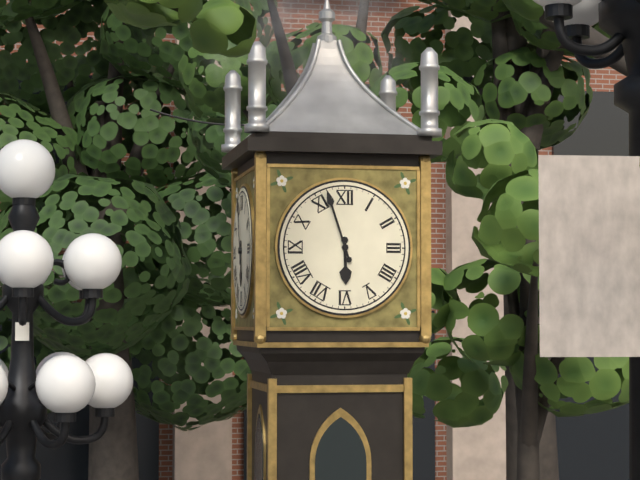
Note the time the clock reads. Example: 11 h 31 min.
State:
5 h 57 min
